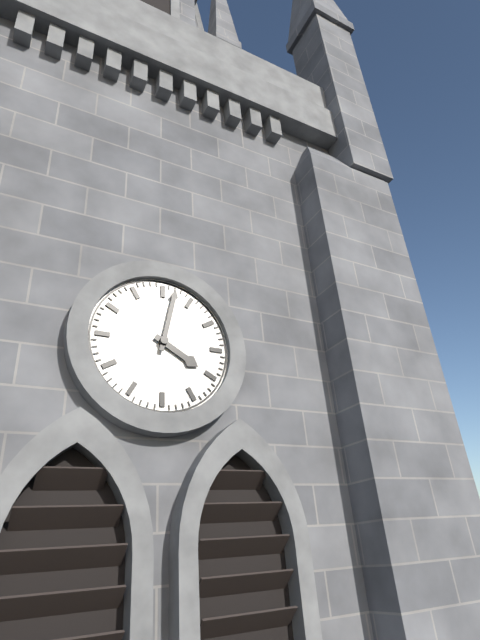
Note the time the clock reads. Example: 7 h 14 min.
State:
4 h 02 min
